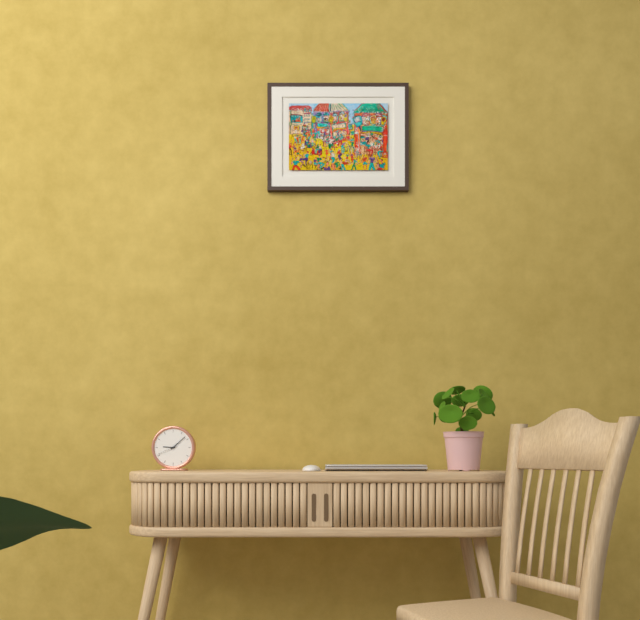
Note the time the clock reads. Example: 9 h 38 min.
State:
9 h 08 min
